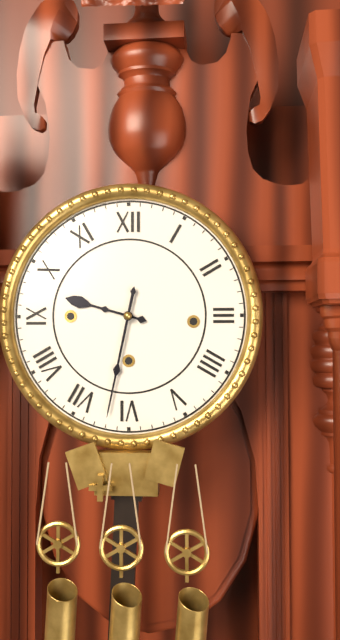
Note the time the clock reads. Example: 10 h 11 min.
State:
9 h 32 min
